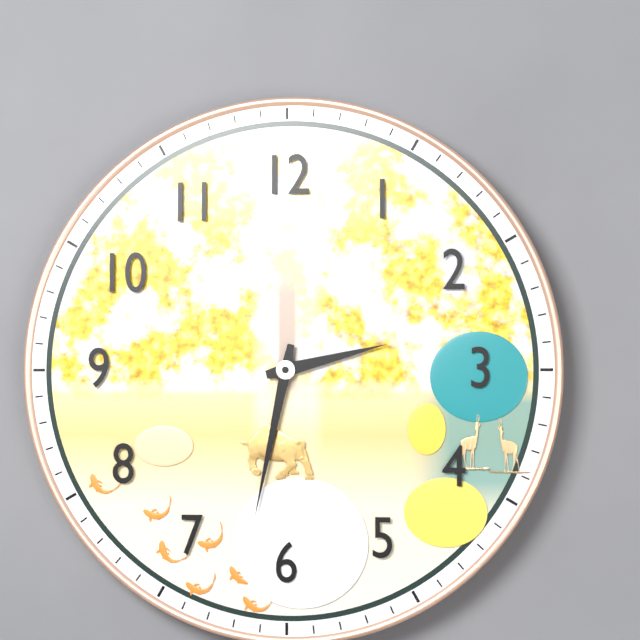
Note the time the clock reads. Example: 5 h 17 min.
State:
2 h 32 min
